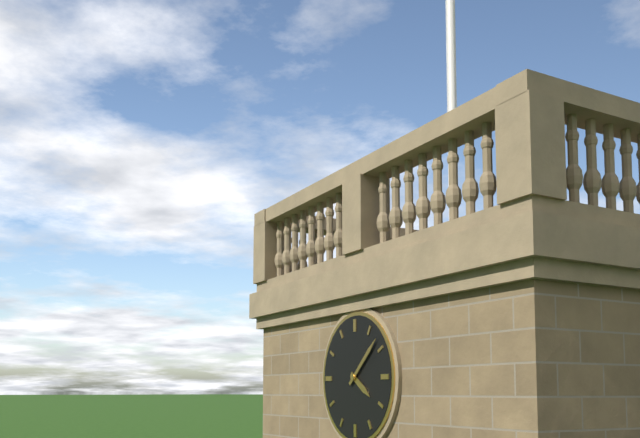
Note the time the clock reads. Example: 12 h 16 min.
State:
4 h 08 min
